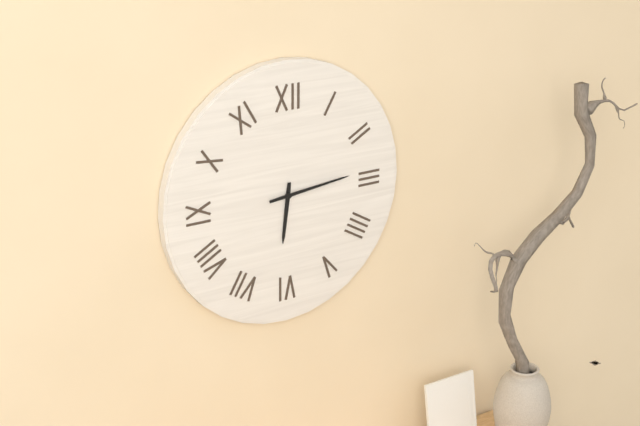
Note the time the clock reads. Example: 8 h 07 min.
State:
6 h 14 min
